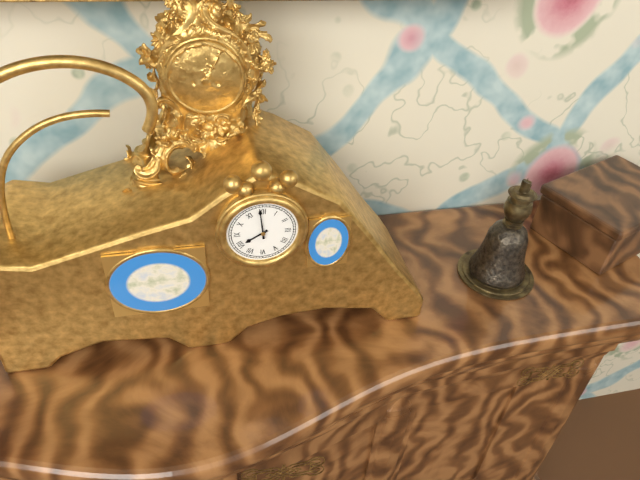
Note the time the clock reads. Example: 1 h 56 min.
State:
7 h 59 min
